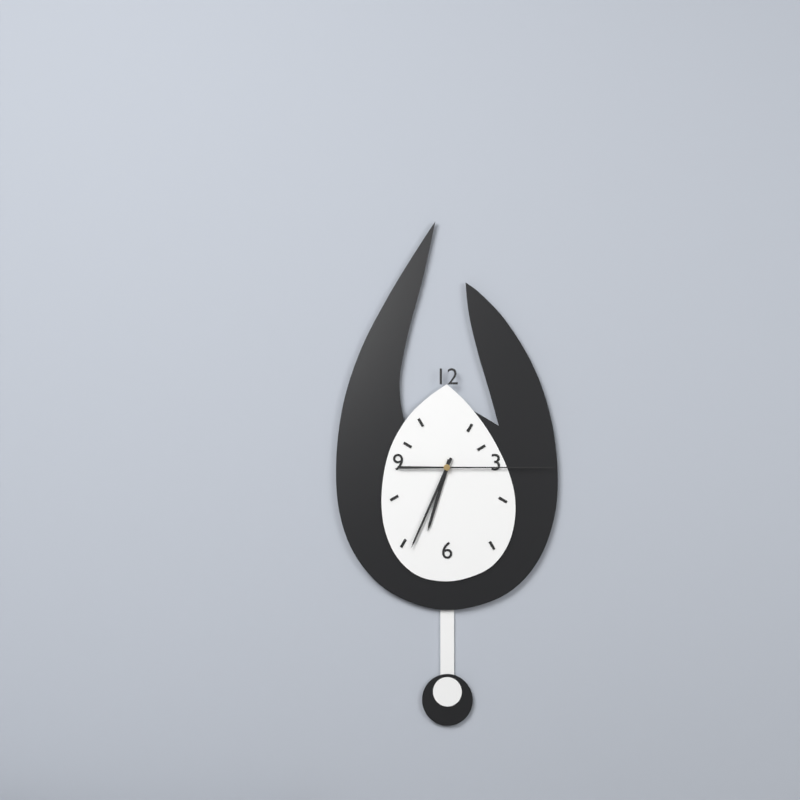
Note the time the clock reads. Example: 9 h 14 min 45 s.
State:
6 h 34 min 15 s
